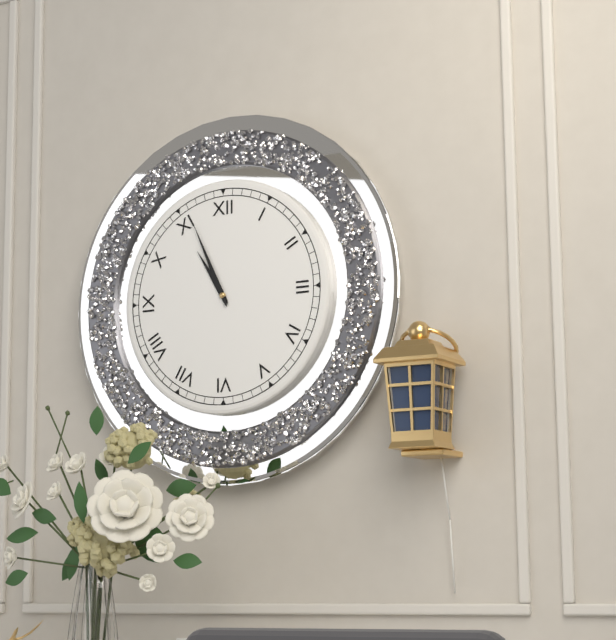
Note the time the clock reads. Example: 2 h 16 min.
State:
10 h 56 min
